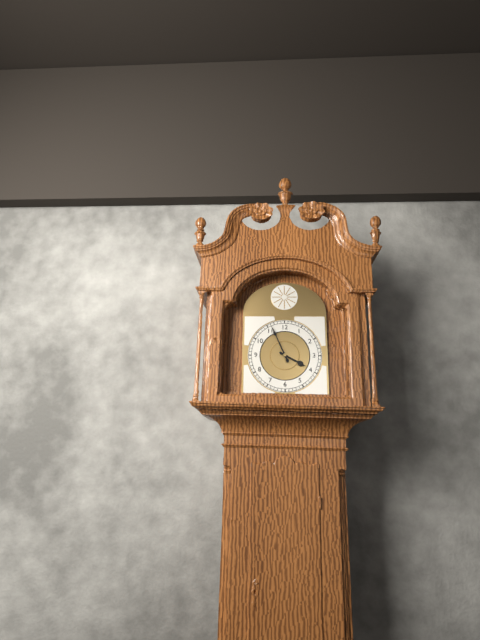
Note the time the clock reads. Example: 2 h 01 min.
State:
3 h 56 min
